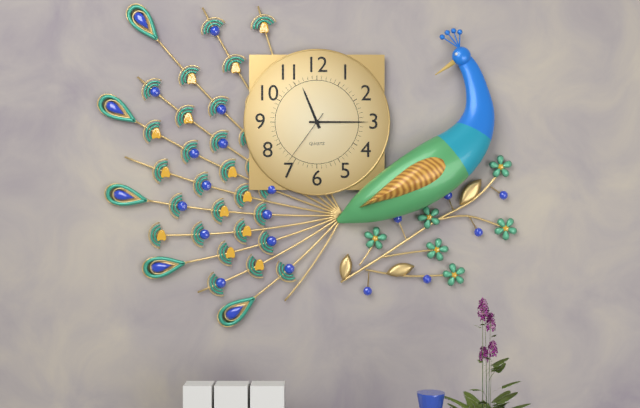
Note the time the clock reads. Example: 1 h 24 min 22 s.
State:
11 h 15 min 36 s
